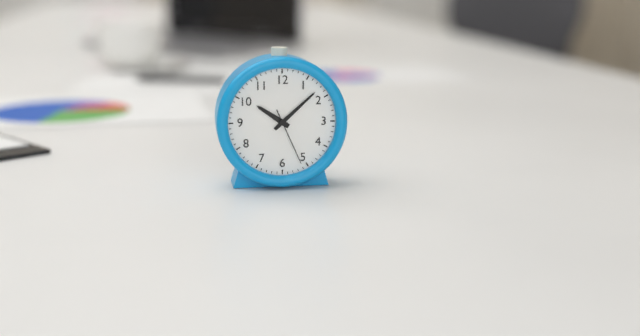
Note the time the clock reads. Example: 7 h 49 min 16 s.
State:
10 h 08 min 26 s
